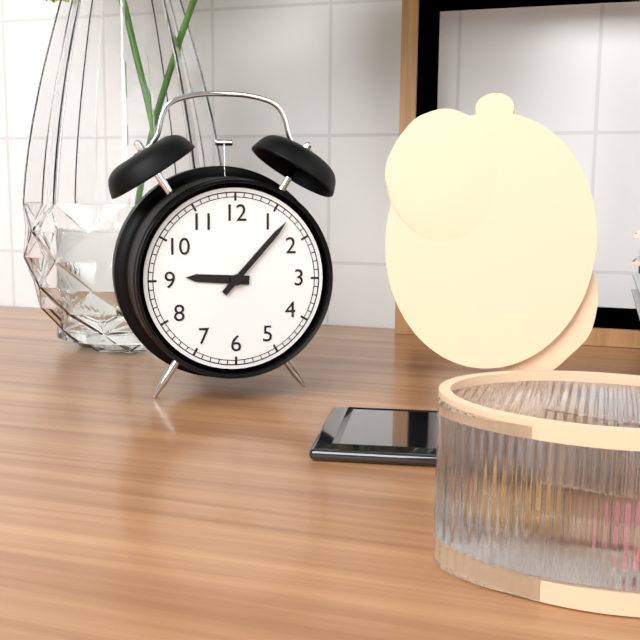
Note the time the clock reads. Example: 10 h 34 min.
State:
9 h 07 min
